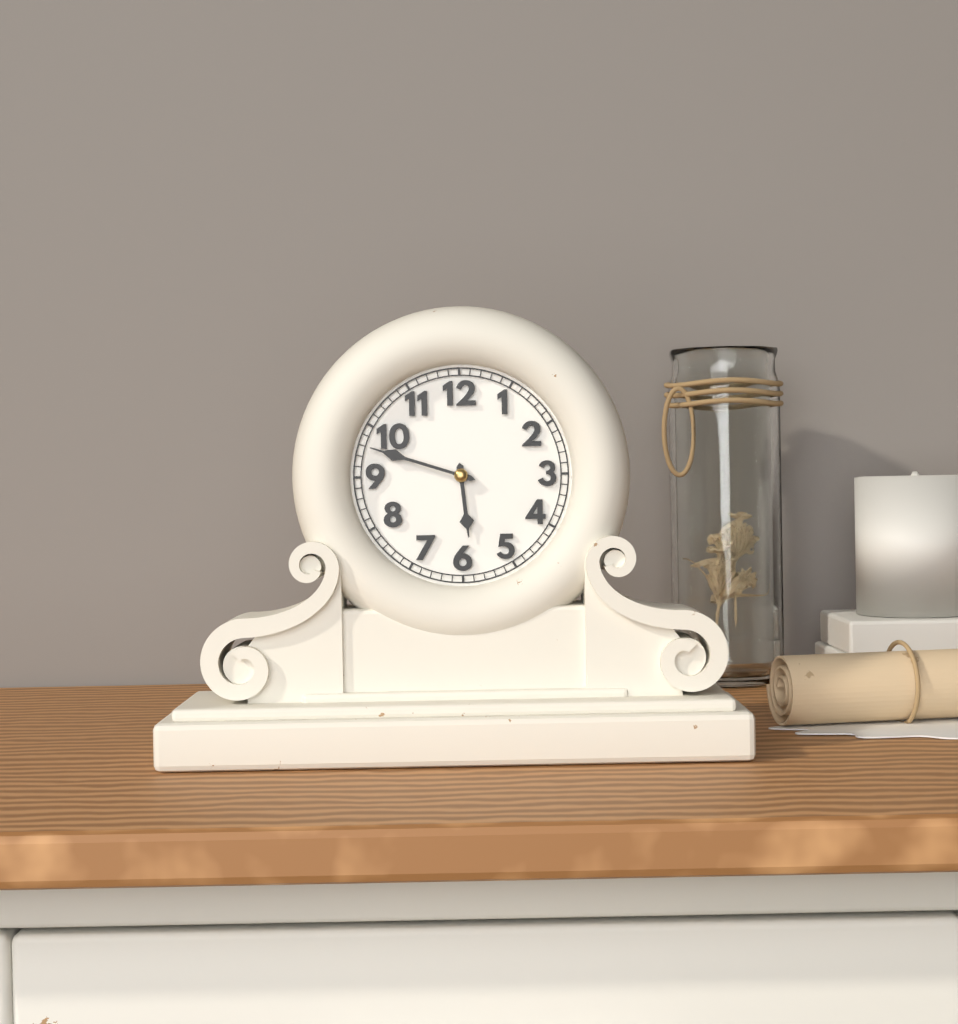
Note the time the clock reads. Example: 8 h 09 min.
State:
5 h 48 min
